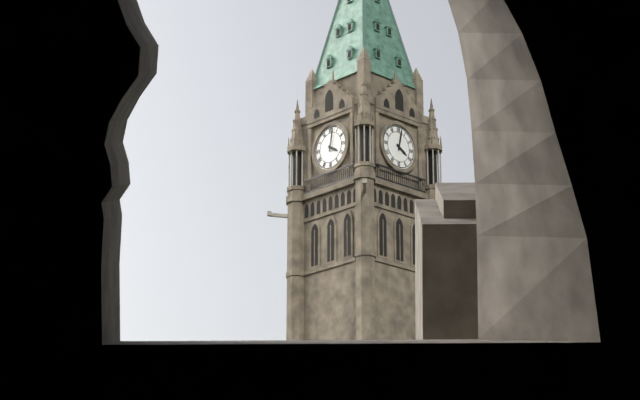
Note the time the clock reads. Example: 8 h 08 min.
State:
4 h 02 min
